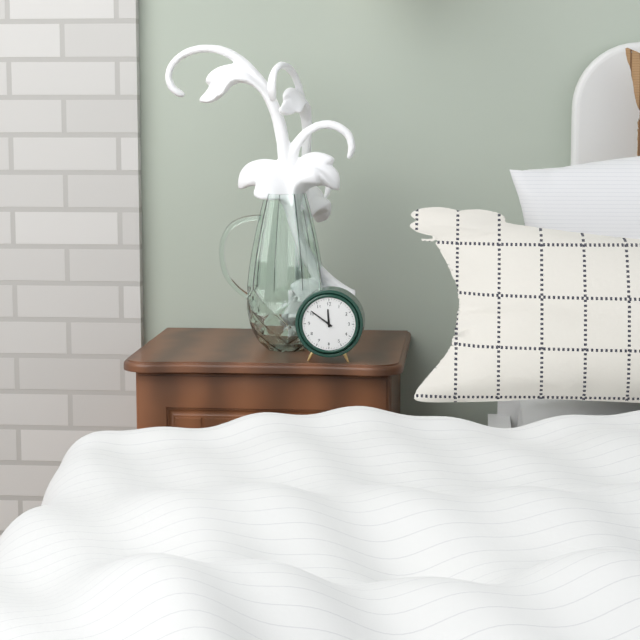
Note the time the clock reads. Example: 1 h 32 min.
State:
11 h 51 min
